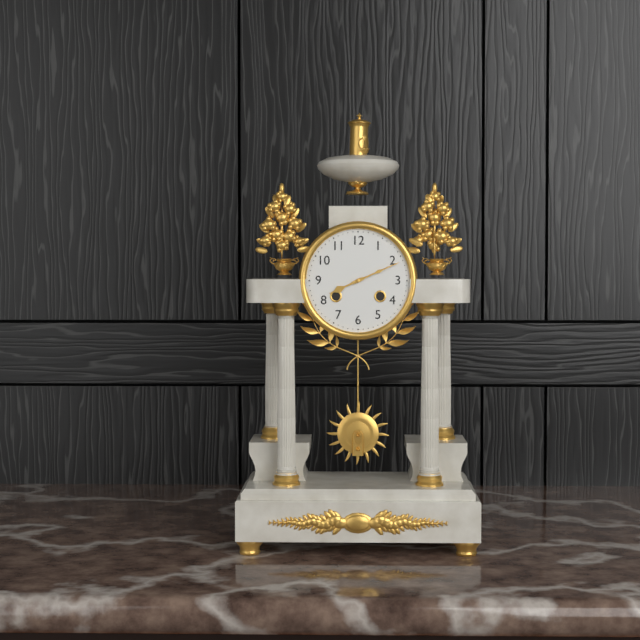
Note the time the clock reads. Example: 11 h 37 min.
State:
8 h 11 min
